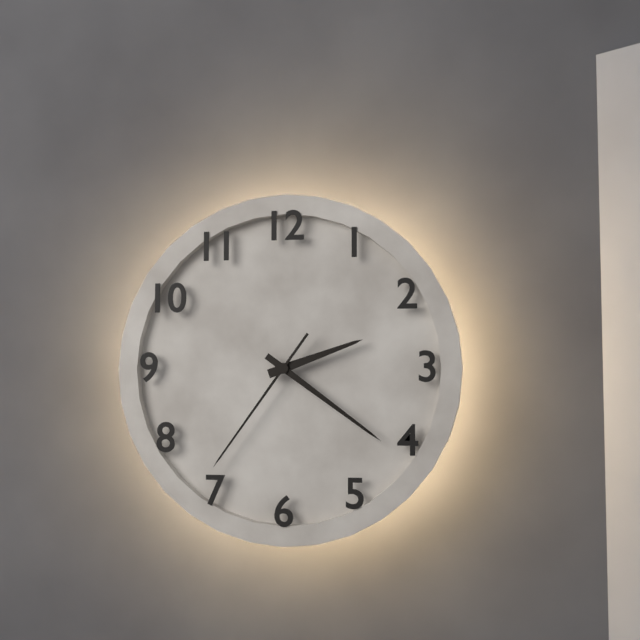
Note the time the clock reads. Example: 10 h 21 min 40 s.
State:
2 h 21 min 36 s
